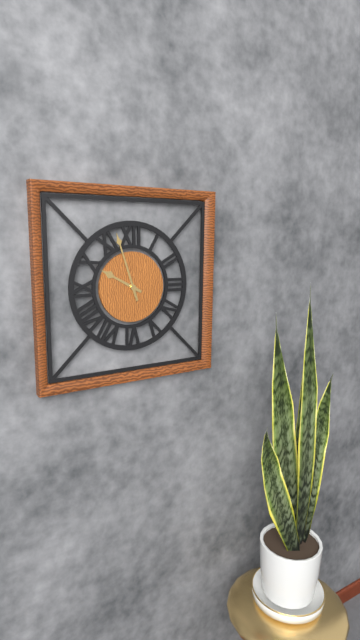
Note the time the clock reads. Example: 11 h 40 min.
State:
9 h 57 min
